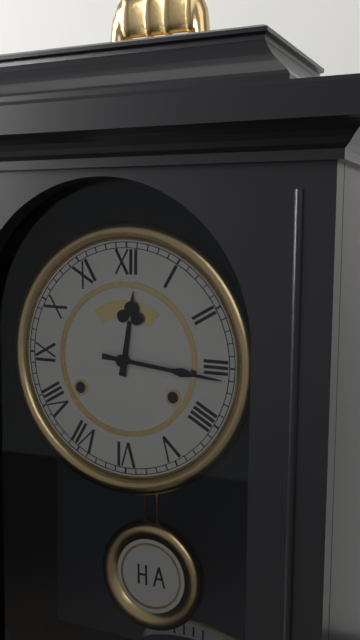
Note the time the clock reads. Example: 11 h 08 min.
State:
12 h 16 min
